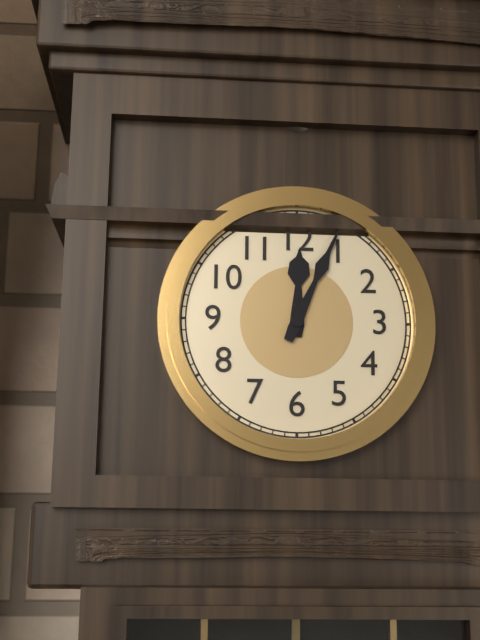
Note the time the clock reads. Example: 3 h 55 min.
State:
12 h 04 min
